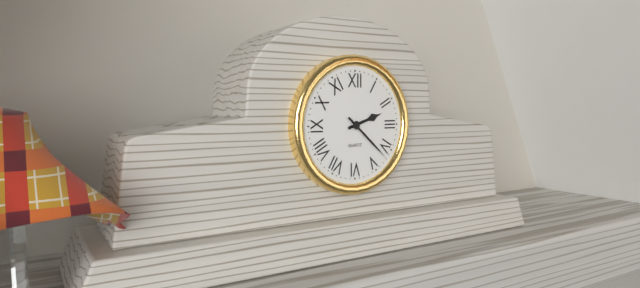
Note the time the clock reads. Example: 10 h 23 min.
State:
2 h 22 min
